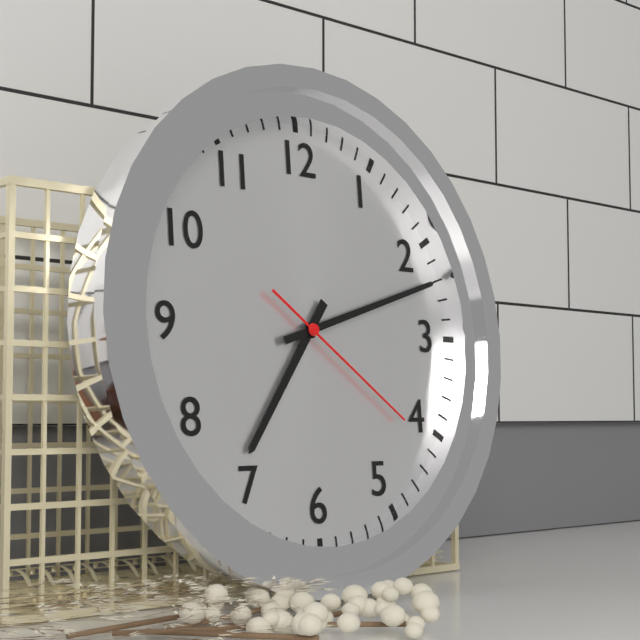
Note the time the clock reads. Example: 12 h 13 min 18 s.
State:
7 h 12 min 21 s
